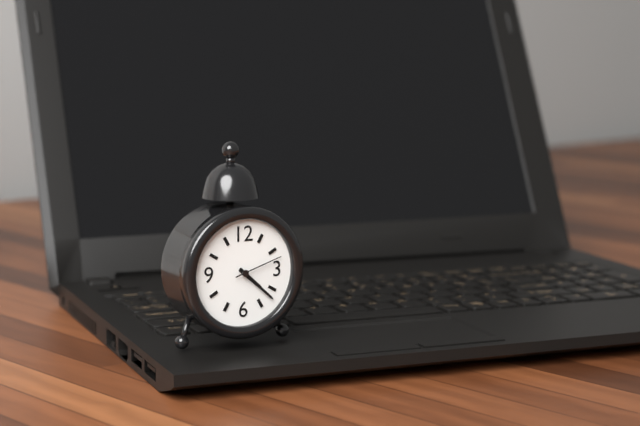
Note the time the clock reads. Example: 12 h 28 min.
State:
4 h 22 min
